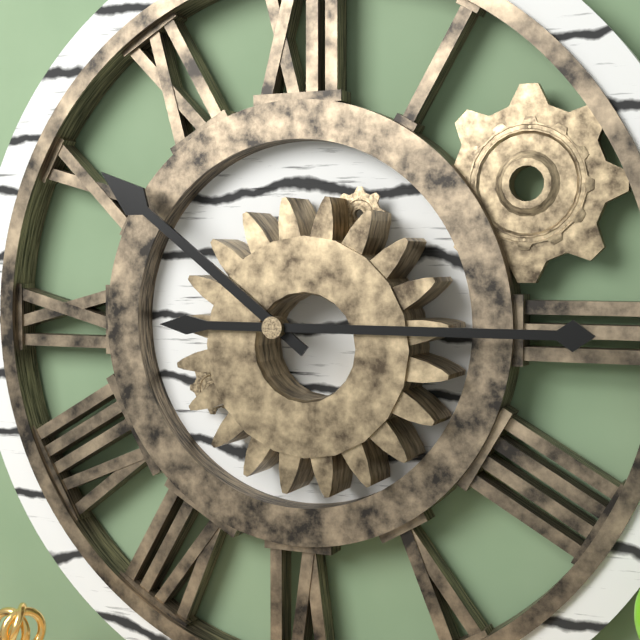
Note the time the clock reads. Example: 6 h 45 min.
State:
10 h 15 min
